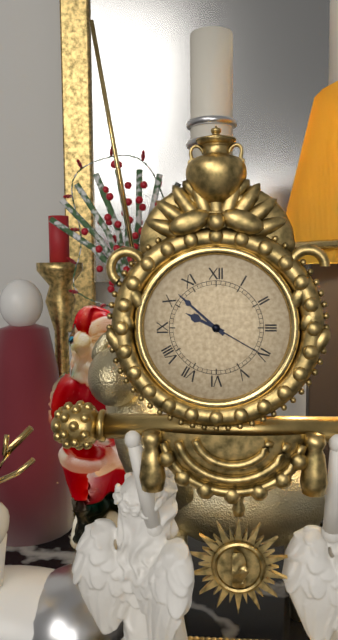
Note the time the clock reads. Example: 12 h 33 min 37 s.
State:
9 h 52 min 20 s
